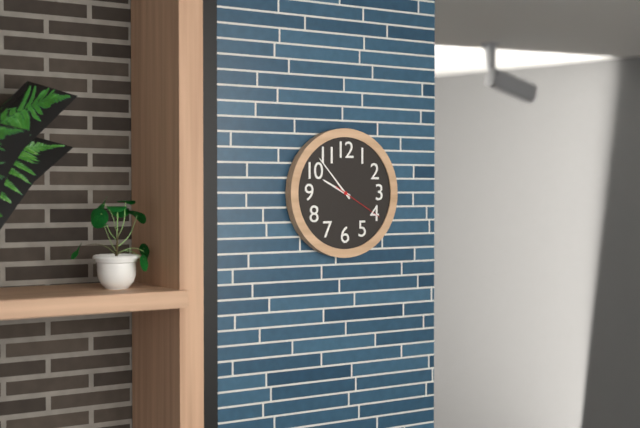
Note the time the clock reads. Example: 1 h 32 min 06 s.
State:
9 h 53 min 20 s
